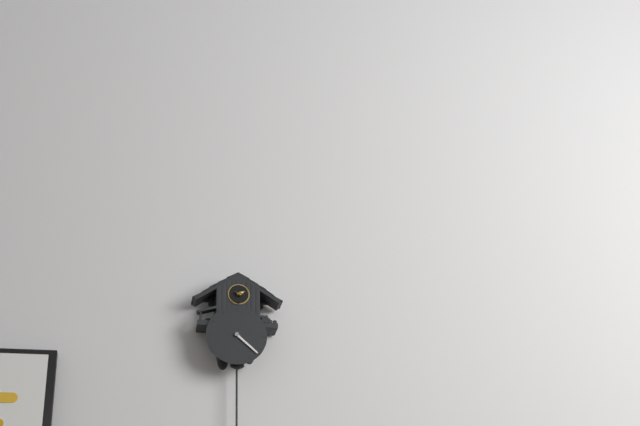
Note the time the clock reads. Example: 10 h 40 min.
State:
4 h 22 min
